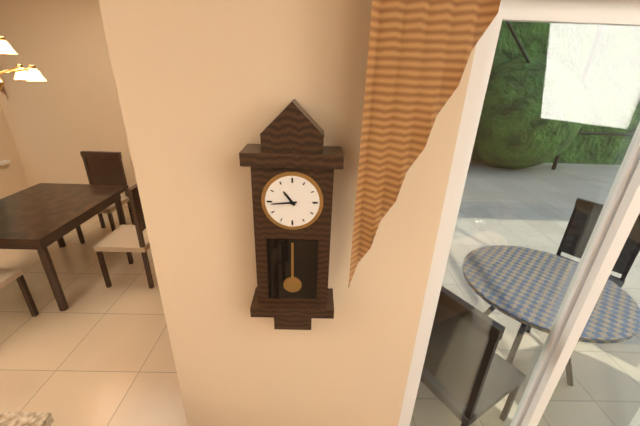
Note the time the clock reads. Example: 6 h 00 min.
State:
10 h 44 min
